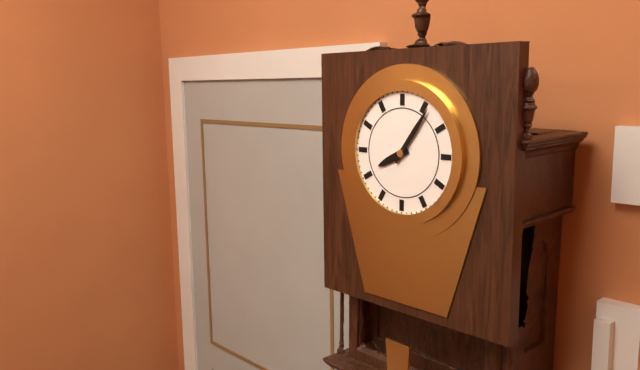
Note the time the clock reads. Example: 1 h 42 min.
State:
8 h 06 min
